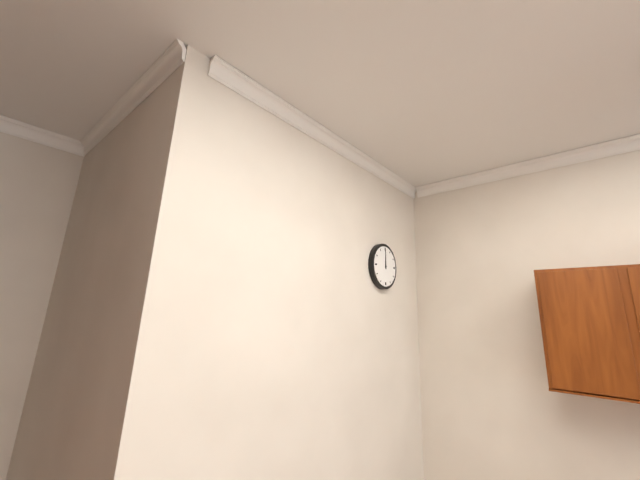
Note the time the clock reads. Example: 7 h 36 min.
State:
12 h 00 min
